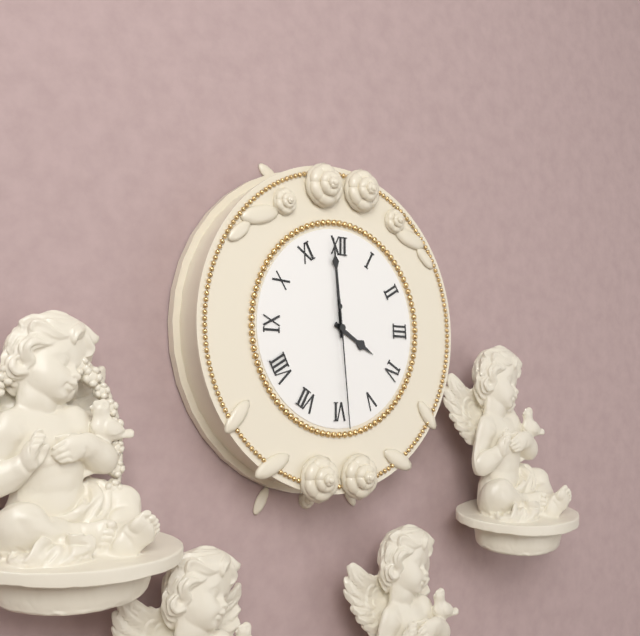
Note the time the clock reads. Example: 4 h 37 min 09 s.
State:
3 h 59 min 29 s
